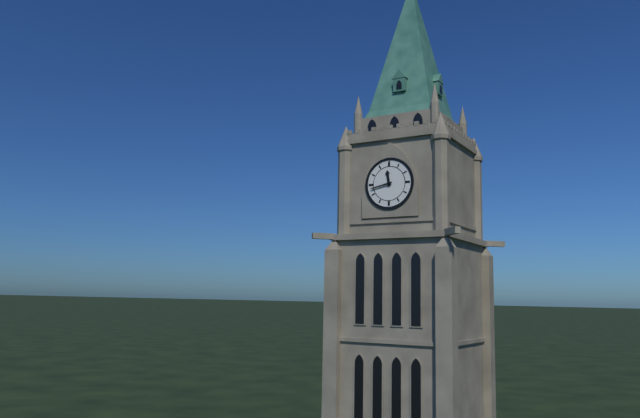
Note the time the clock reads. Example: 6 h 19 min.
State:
11 h 43 min
